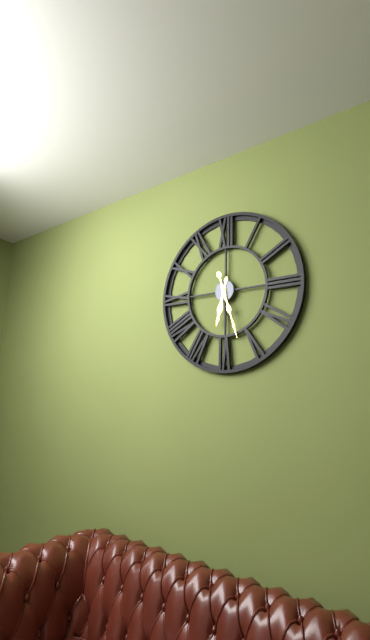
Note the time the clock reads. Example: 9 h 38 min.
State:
6 h 27 min
